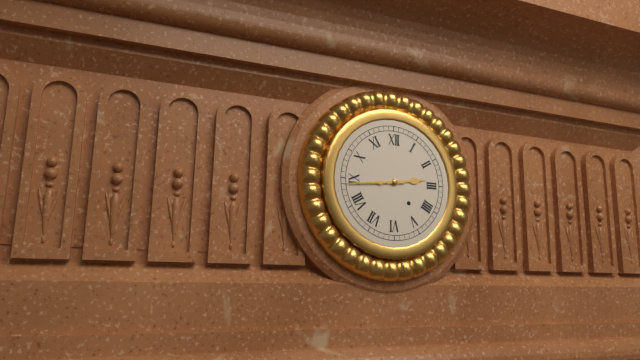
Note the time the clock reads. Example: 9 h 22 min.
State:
2 h 44 min
